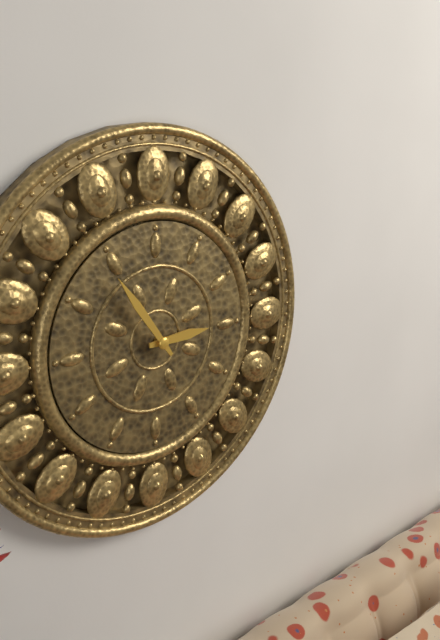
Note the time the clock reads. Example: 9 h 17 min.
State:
2 h 54 min
